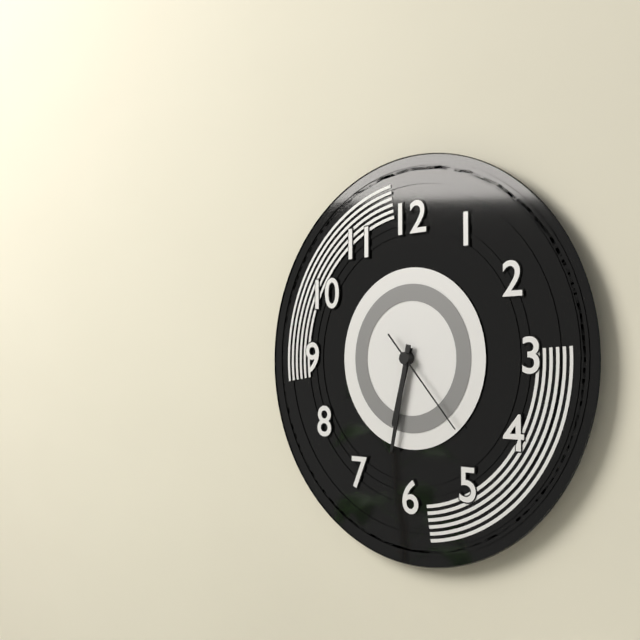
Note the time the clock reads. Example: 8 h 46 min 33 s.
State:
6 h 32 min 23 s
